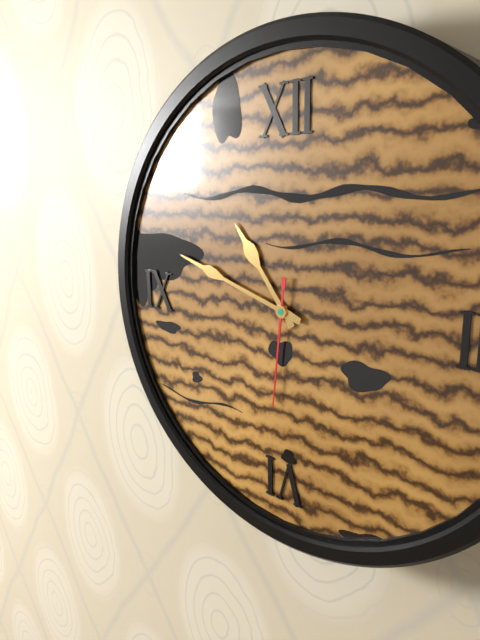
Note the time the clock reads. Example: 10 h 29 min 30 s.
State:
10 h 48 min 31 s
